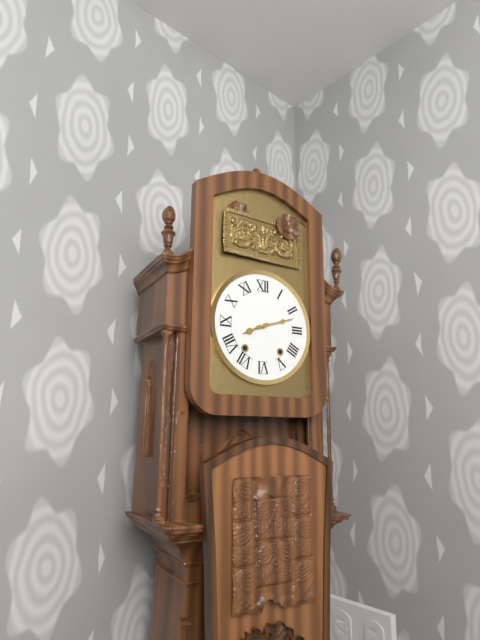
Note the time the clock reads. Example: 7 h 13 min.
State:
8 h 12 min
